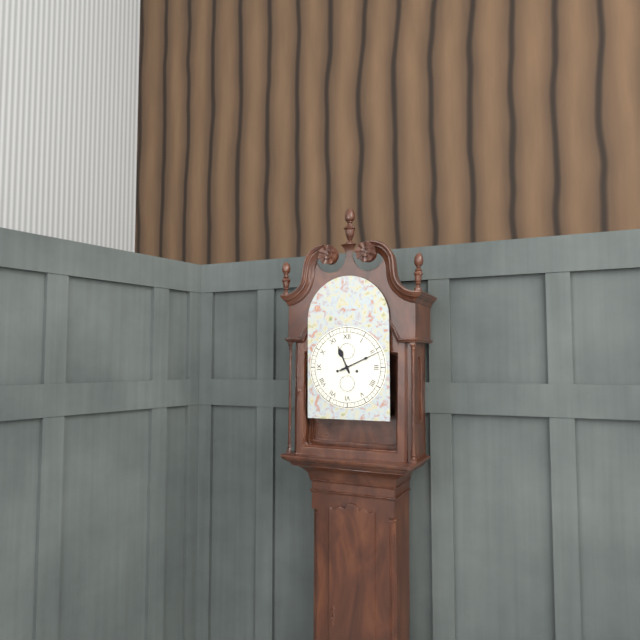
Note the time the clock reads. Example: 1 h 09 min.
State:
11 h 11 min
